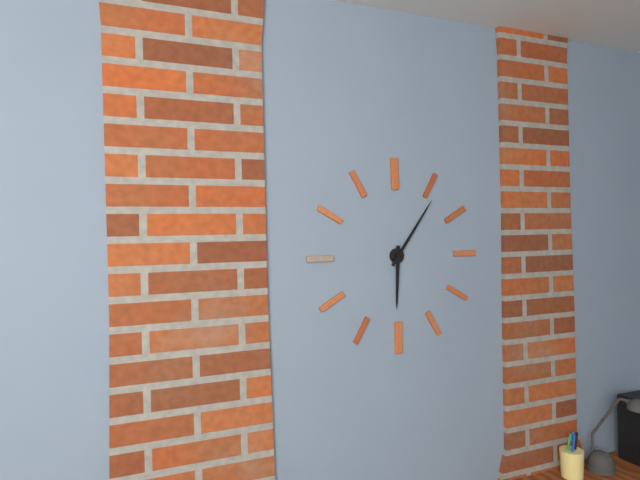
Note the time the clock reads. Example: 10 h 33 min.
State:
6 h 06 min
